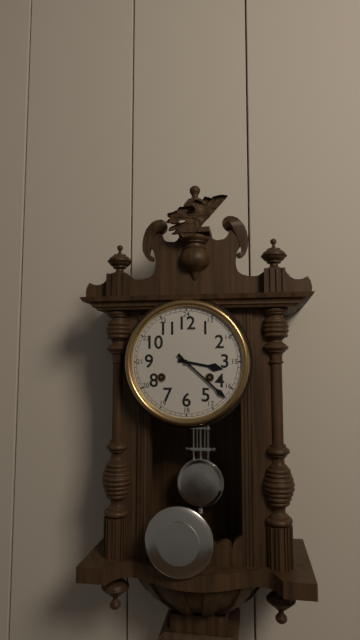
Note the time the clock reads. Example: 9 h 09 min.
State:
3 h 22 min
